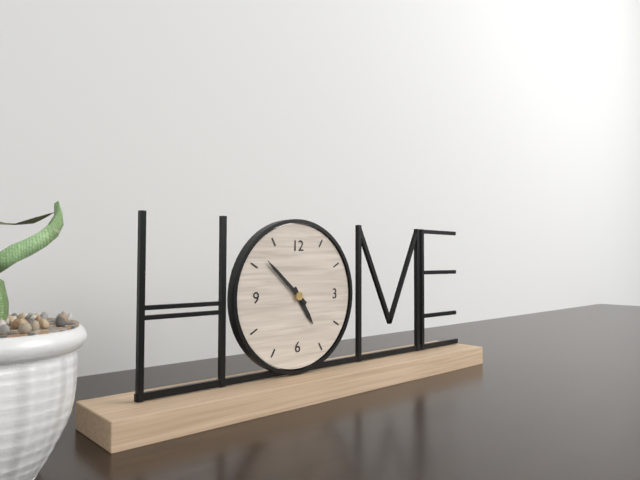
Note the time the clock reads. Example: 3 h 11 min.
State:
4 h 52 min
